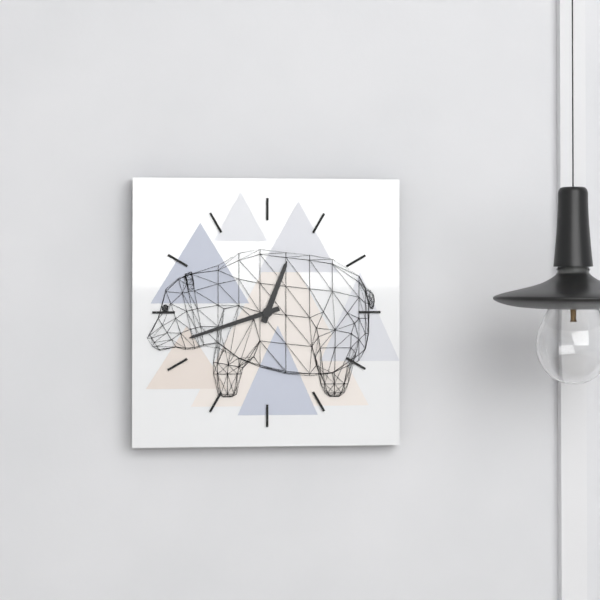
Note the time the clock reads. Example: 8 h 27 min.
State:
12 h 42 min
